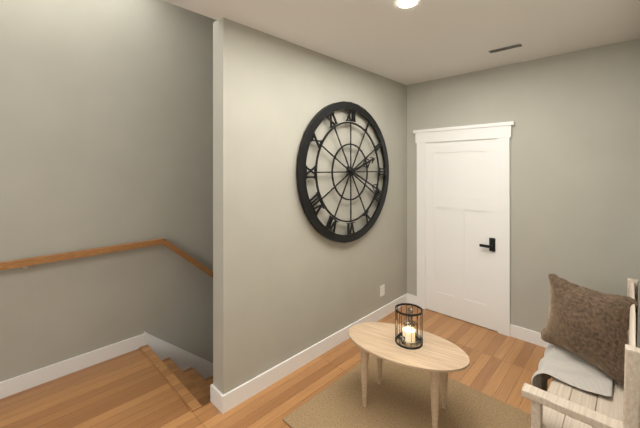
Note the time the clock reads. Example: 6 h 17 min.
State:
2 h 19 min
